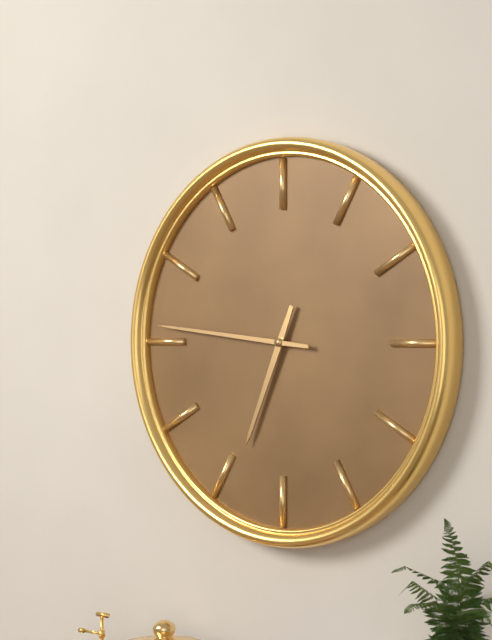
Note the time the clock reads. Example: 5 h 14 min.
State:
6 h 46 min
